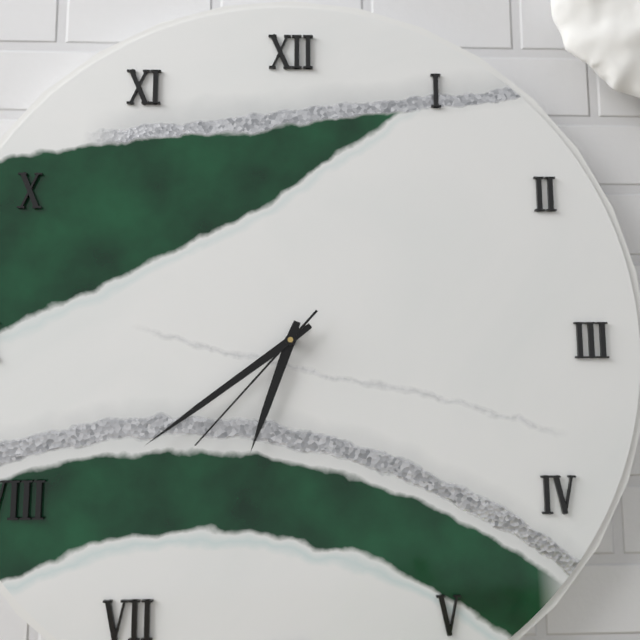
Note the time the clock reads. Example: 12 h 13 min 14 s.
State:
6 h 39 min 37 s
